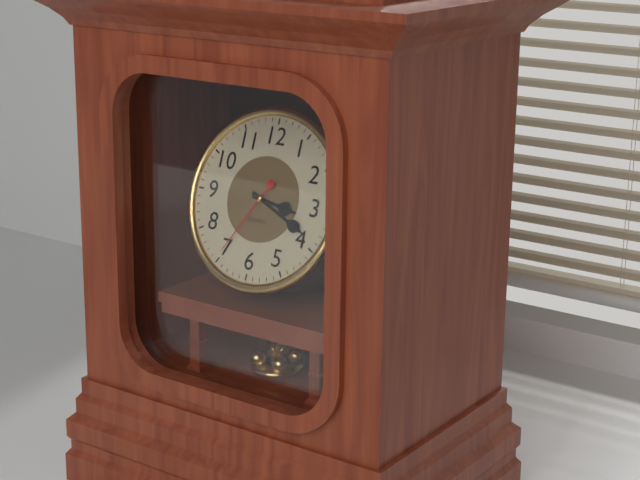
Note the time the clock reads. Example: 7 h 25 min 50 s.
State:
3 h 19 min 35 s
